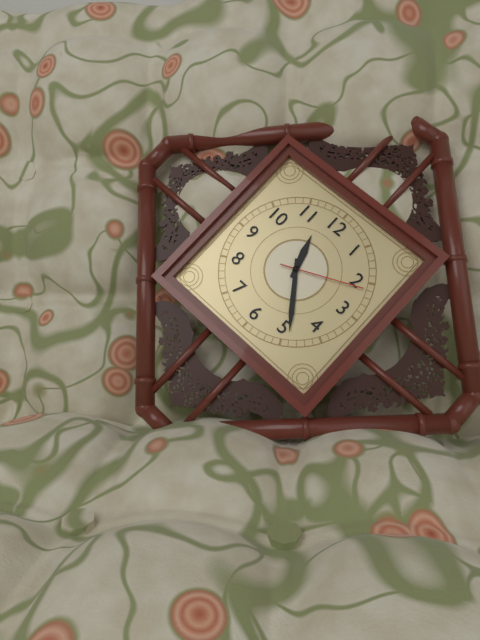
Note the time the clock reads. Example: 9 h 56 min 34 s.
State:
11 h 24 min 11 s
